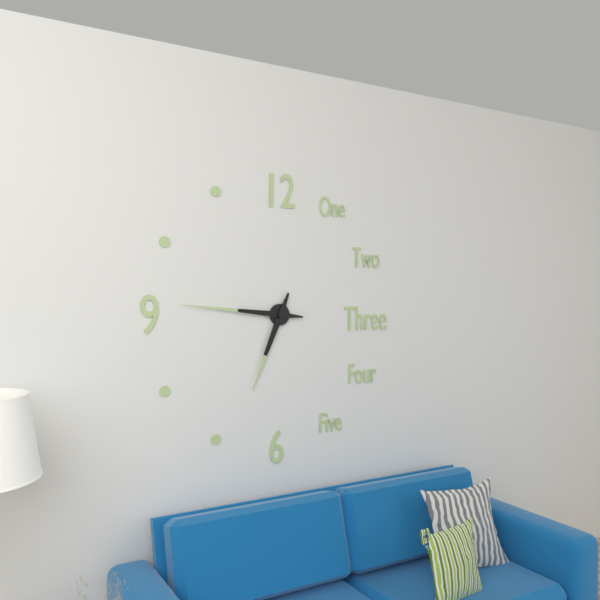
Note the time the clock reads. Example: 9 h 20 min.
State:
6 h 46 min
